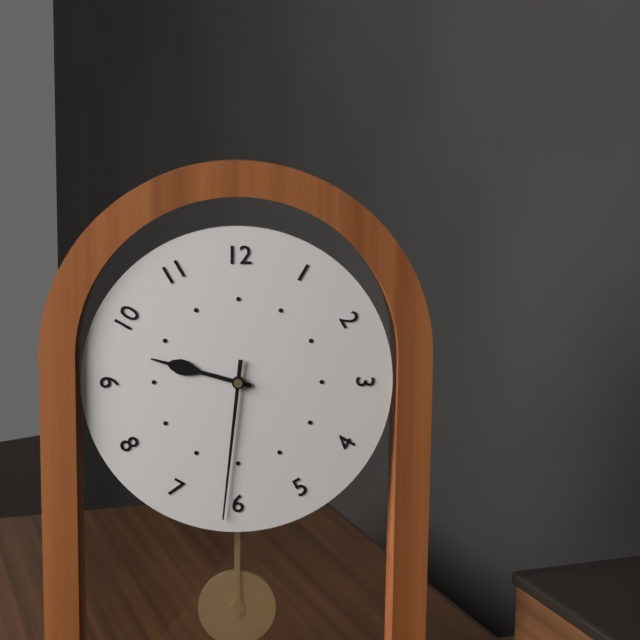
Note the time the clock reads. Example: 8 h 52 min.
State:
9 h 31 min
